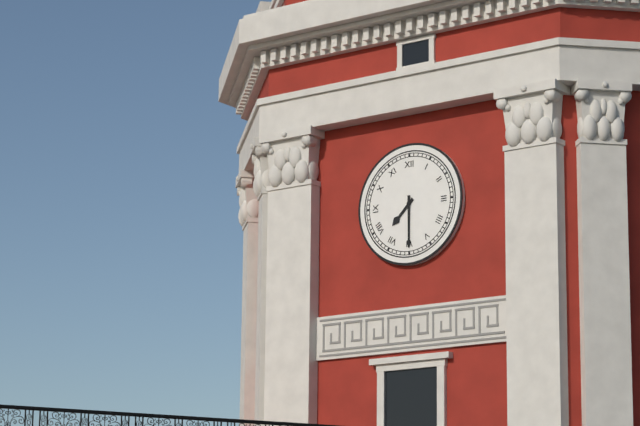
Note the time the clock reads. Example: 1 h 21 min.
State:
7 h 30 min
